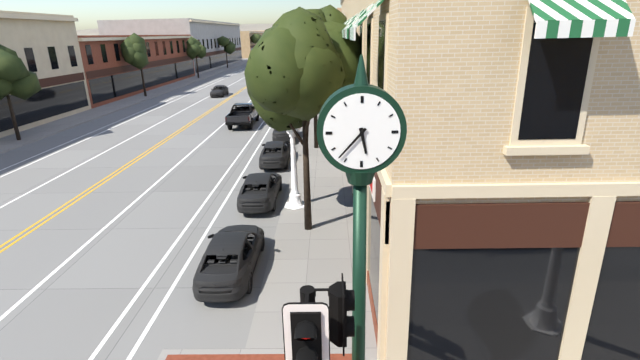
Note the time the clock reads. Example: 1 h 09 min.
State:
5 h 37 min
